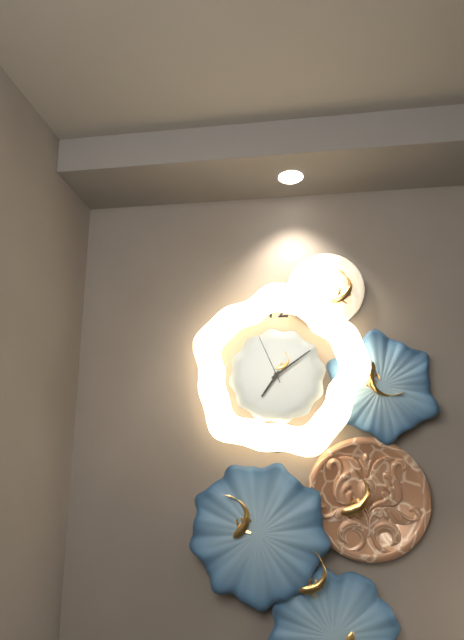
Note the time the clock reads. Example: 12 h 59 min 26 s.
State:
7 h 09 min 56 s
